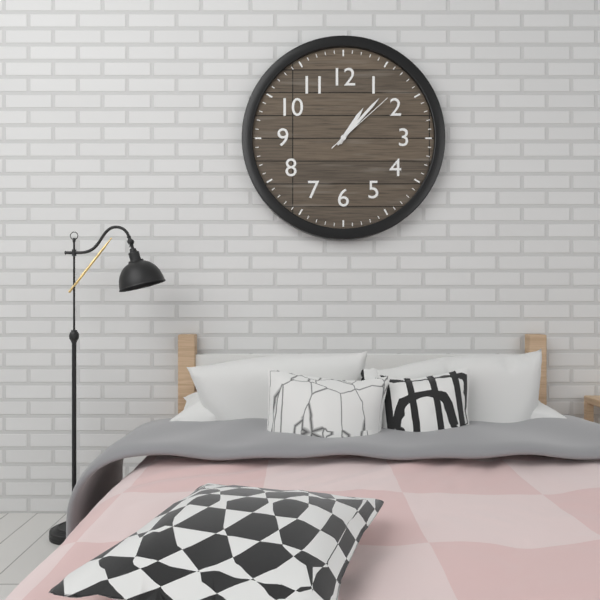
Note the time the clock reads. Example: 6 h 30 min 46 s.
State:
1 h 07 min 08 s
